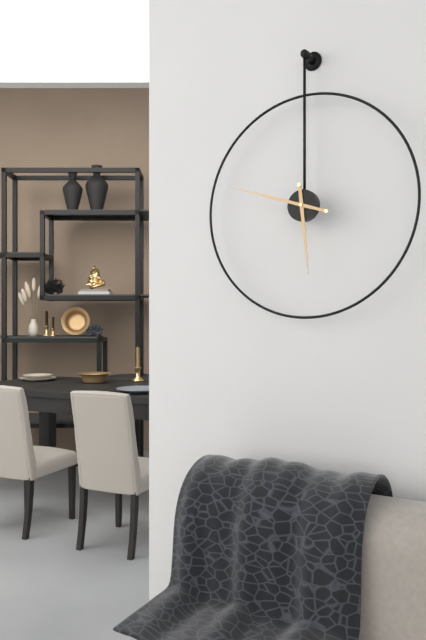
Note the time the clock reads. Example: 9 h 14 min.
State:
5 h 48 min
